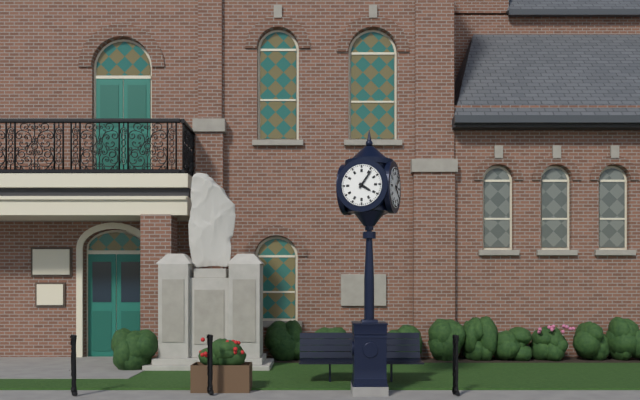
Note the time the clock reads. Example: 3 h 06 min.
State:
4 h 06 min
